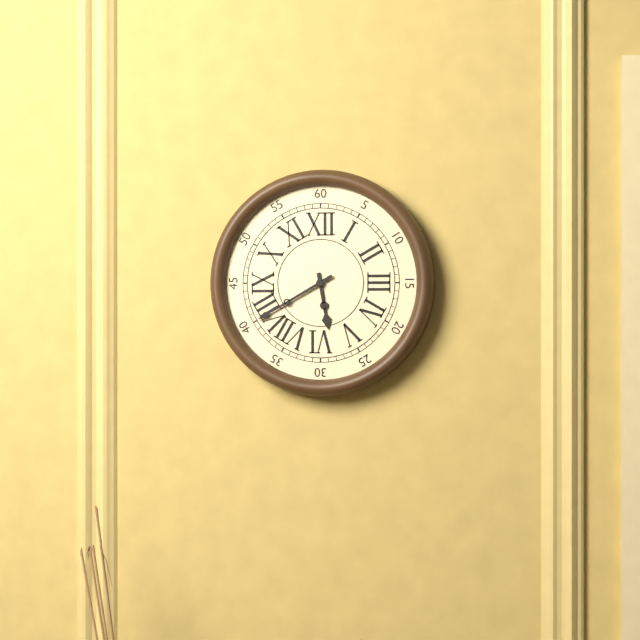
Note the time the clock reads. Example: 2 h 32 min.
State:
5 h 40 min
